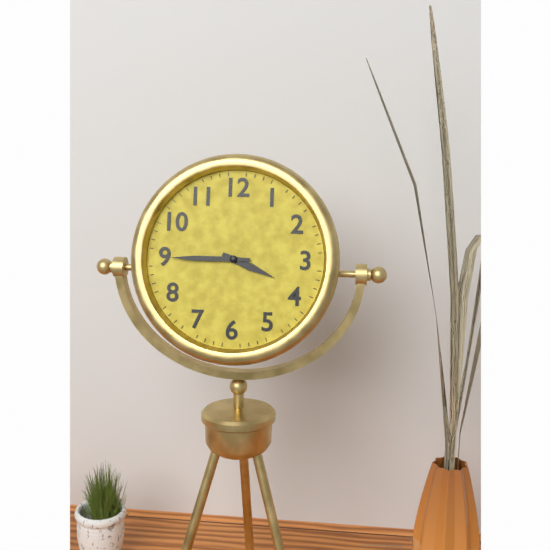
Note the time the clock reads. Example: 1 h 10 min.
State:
3 h 45 min
